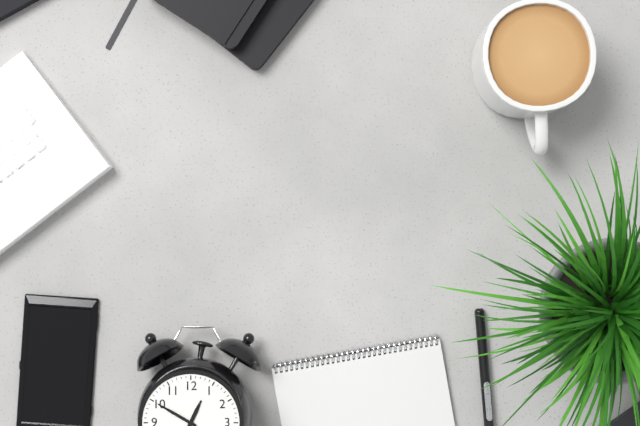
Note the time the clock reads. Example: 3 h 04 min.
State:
12 h 50 min
